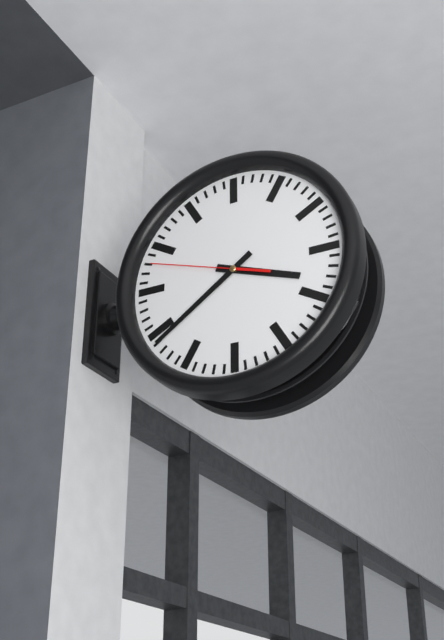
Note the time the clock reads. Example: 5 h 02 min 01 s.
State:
3 h 39 min 48 s
